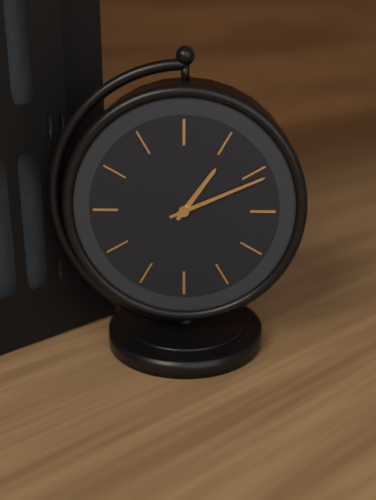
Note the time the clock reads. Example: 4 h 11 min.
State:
1 h 11 min
